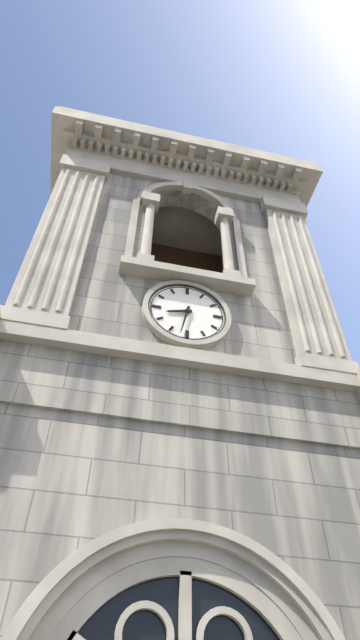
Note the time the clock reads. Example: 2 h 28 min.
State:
8 h 32 min
